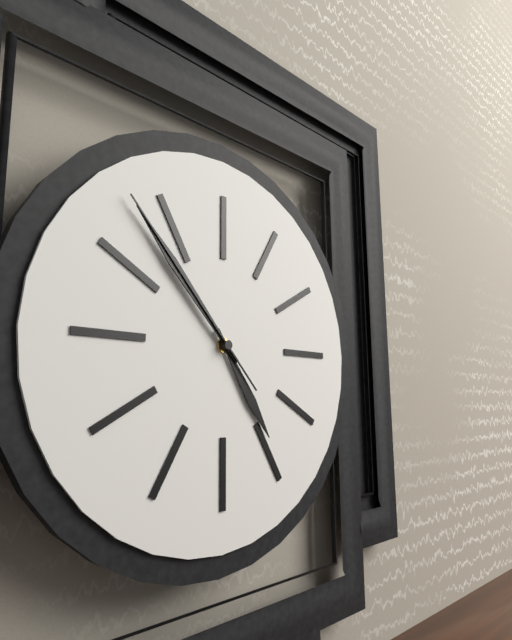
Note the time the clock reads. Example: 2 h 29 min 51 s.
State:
4 h 53 min 53 s
